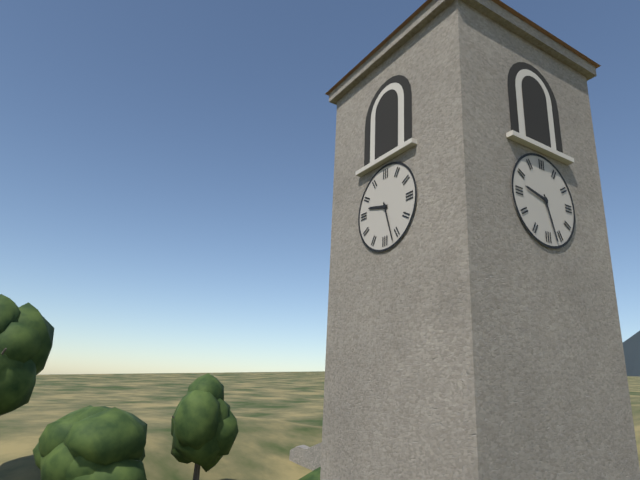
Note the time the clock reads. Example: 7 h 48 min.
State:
9 h 27 min
